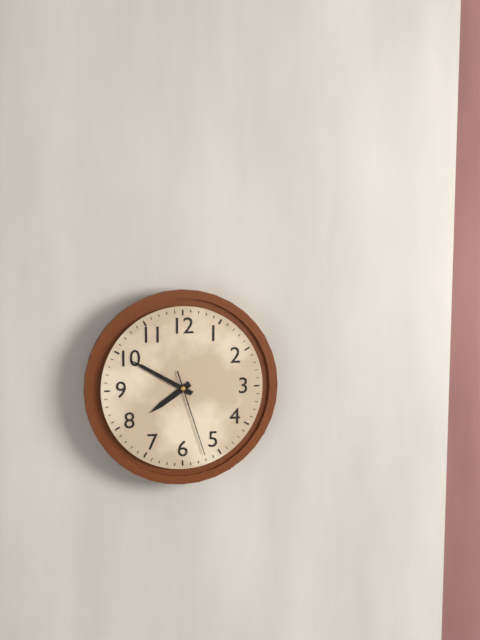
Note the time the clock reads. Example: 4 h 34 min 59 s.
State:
7 h 50 min 27 s
